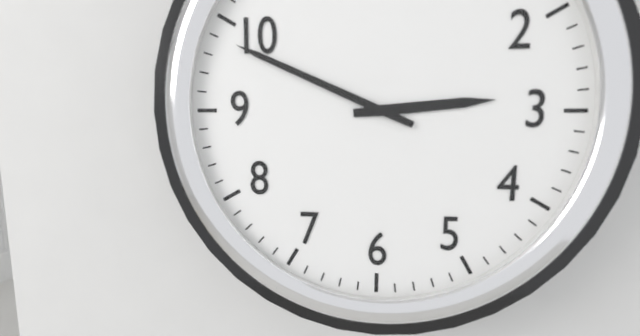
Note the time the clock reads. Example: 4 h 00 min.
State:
2 h 49 min
